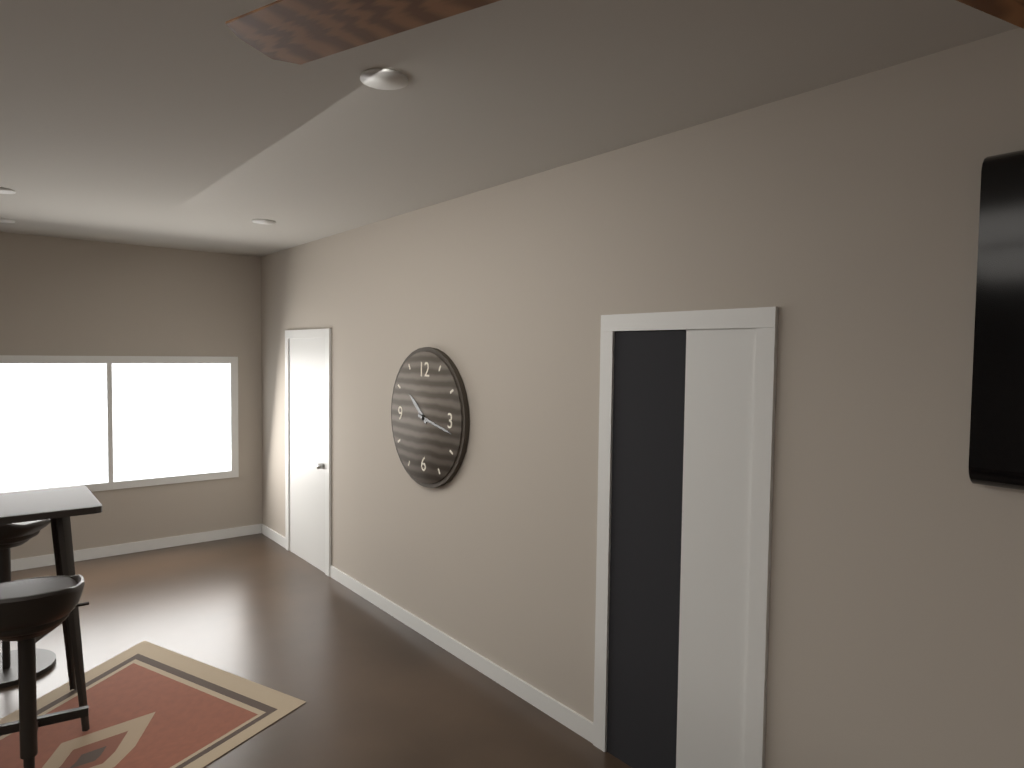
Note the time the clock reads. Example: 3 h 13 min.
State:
10 h 17 min
